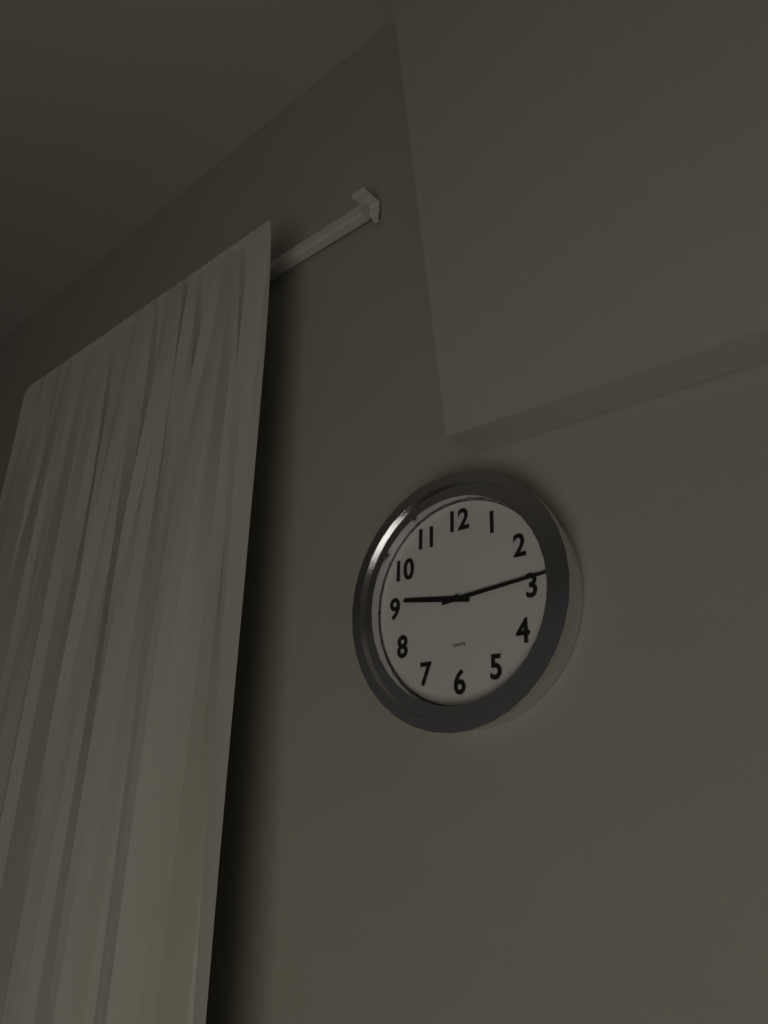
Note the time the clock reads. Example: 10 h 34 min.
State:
9 h 14 min
